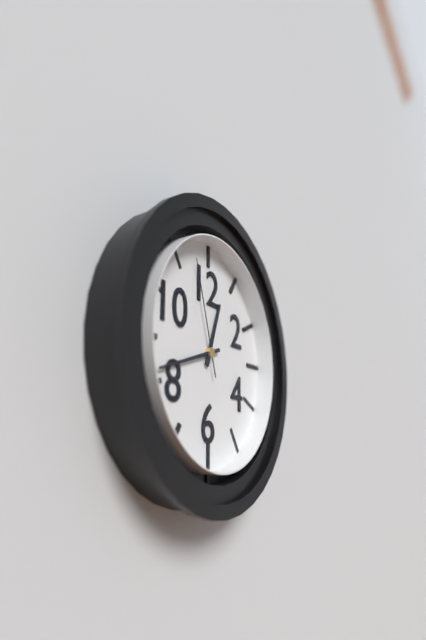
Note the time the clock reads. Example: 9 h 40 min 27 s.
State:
12 h 42 min 57 s
